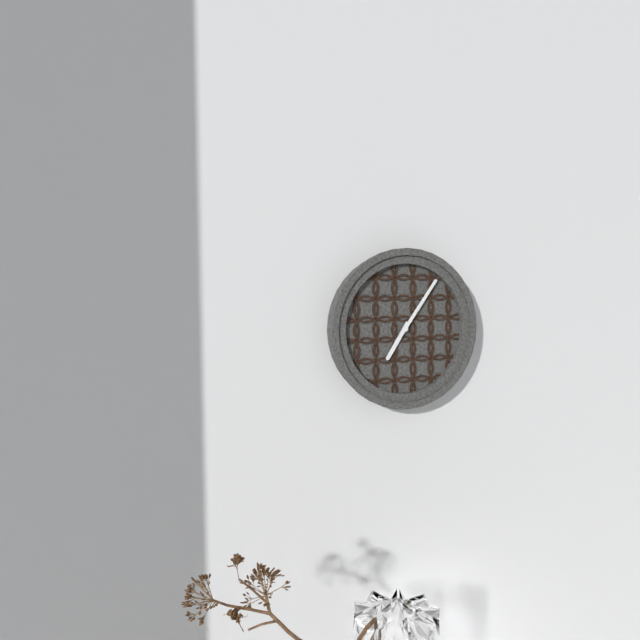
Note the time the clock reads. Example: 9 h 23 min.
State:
7 h 06 min
